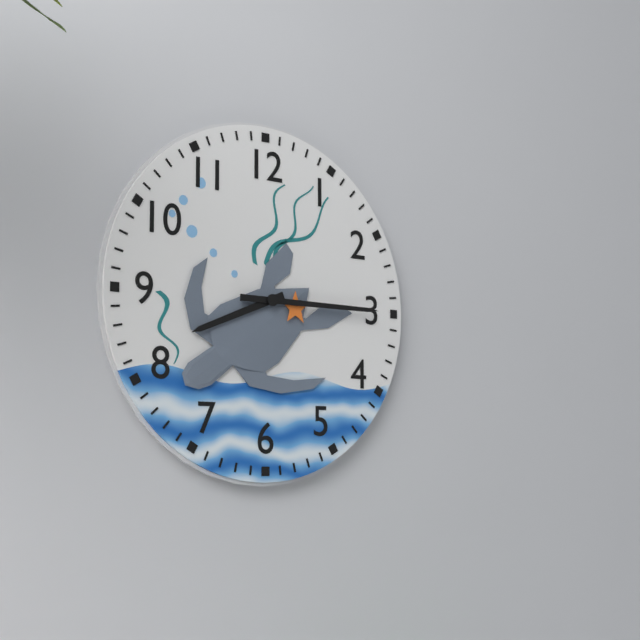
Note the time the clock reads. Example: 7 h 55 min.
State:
8 h 15 min
